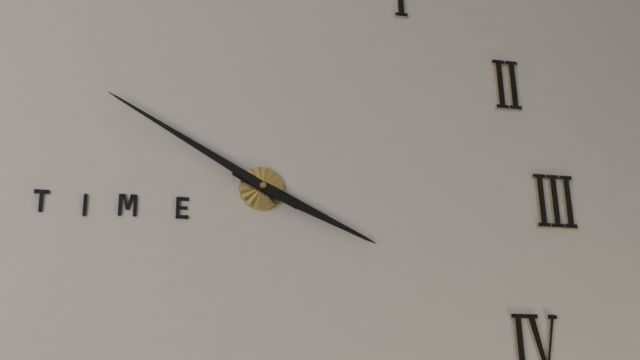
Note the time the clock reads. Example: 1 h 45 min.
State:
3 h 50 min
